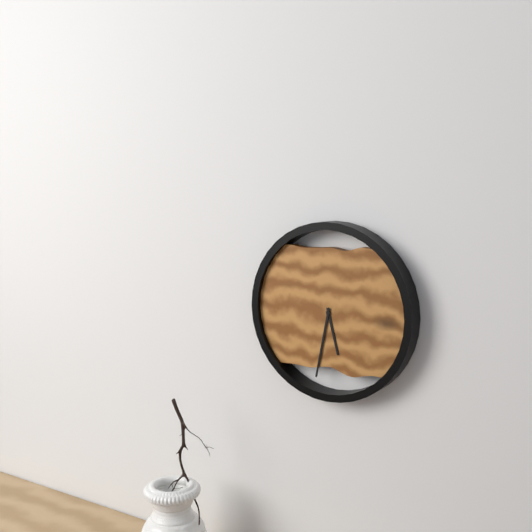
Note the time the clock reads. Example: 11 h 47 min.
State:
5 h 32 min
